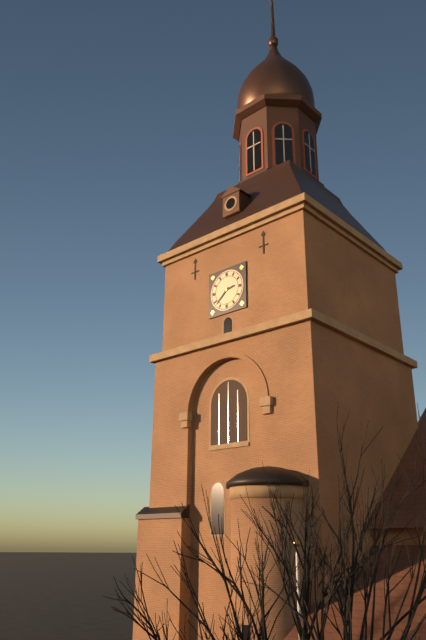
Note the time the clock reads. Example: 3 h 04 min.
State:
2 h 38 min
